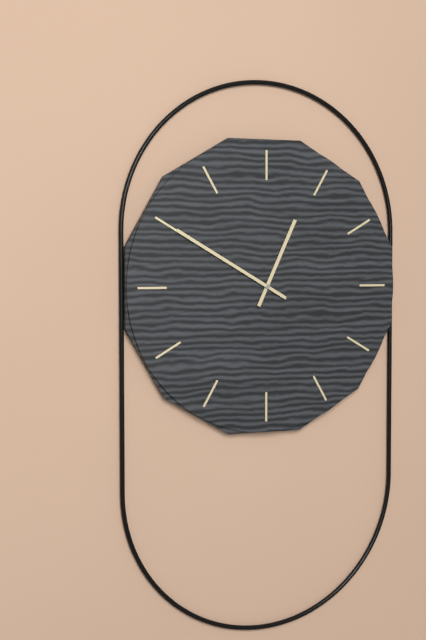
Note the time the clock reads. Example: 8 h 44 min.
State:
12 h 50 min
